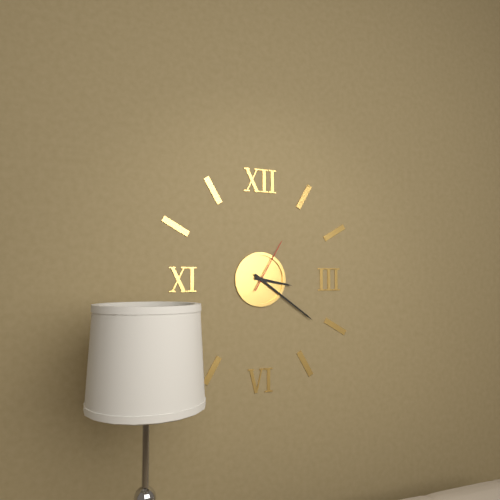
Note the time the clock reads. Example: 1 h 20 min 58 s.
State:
3 h 21 min 05 s
